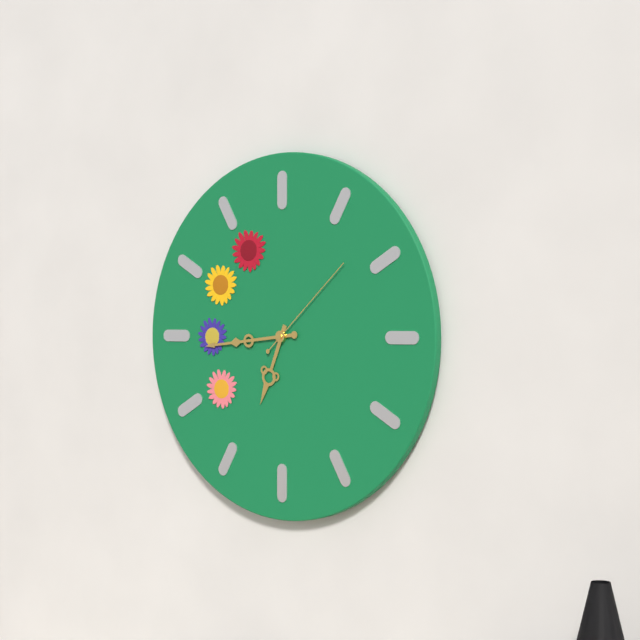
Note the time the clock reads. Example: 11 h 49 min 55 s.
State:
6 h 44 min 08 s
